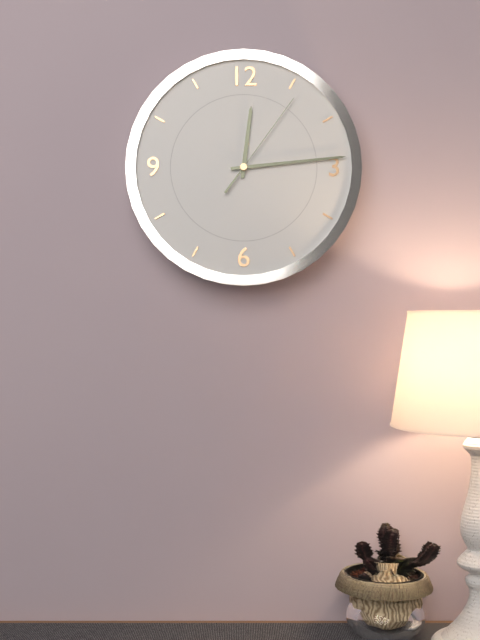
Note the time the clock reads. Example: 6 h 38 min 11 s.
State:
12 h 14 min 06 s
